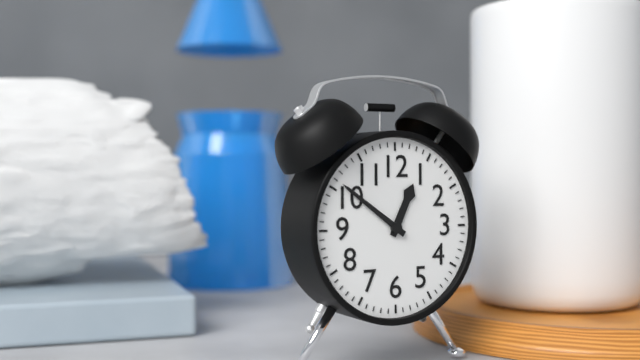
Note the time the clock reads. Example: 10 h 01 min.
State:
12 h 51 min
